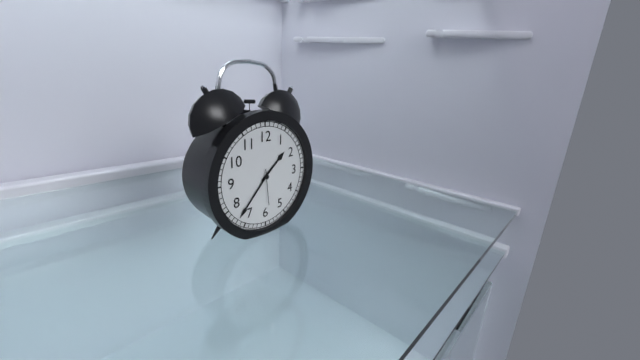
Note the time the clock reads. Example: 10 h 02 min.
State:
1 h 37 min
